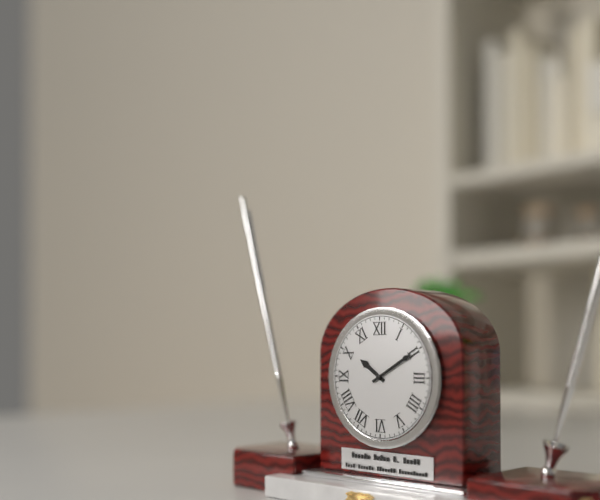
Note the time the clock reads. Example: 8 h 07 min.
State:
10 h 10 min
